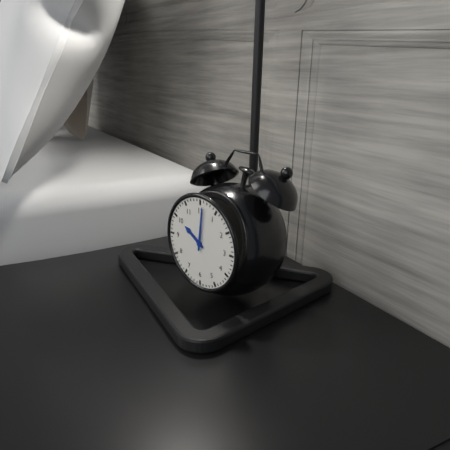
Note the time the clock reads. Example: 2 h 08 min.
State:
10 h 01 min
